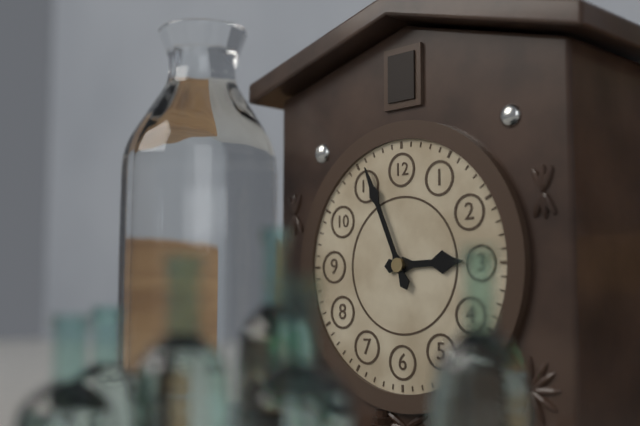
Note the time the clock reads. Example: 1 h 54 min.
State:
2 h 56 min
